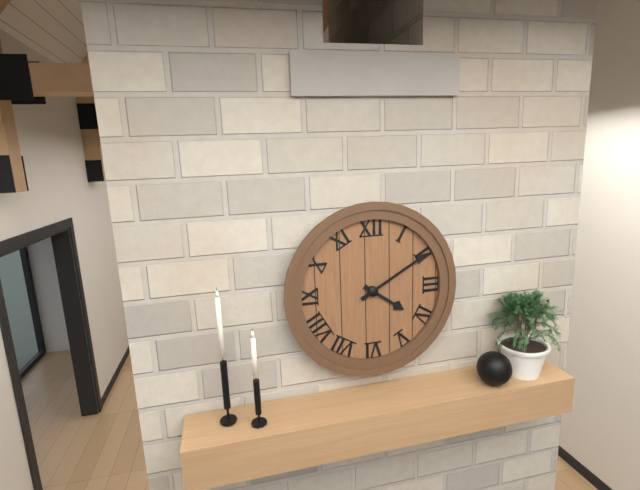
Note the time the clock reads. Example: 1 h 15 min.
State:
4 h 10 min
